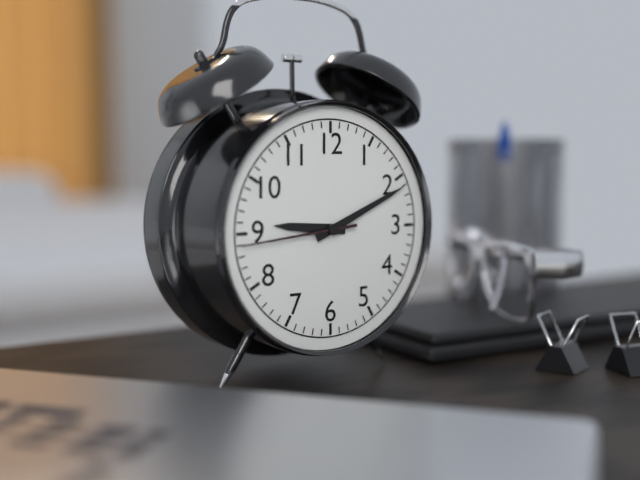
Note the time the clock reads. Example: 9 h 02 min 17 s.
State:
9 h 11 min 44 s
